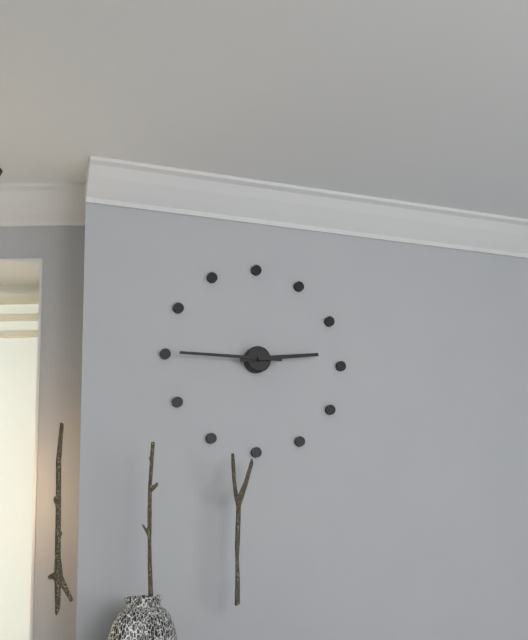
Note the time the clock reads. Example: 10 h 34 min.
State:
2 h 45 min
